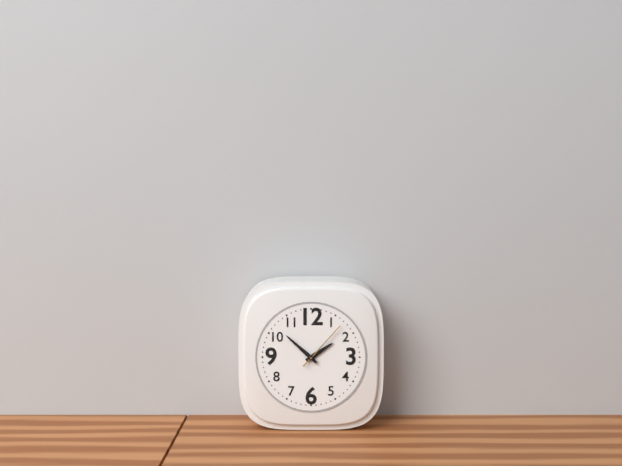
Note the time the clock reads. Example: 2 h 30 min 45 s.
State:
1 h 52 min 07 s
